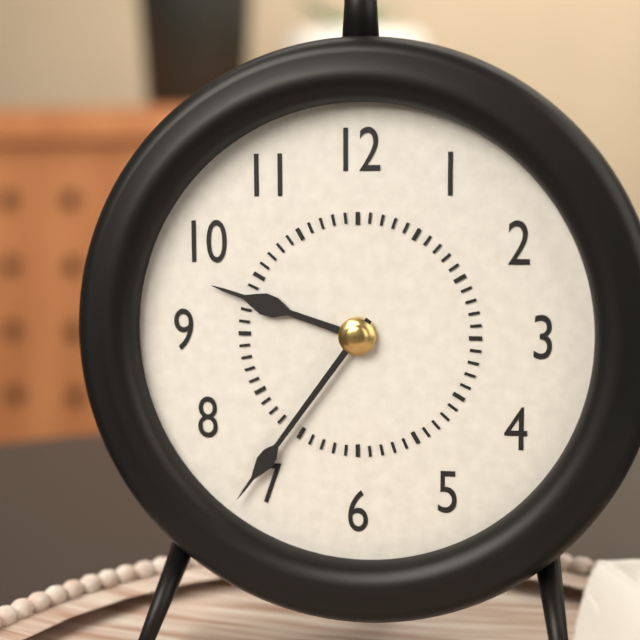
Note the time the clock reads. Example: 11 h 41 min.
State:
9 h 36 min
